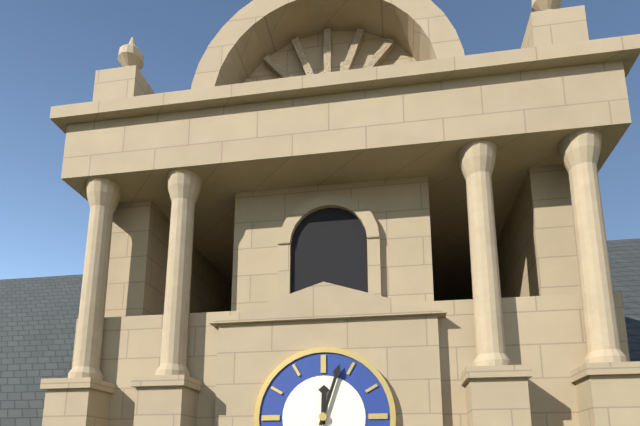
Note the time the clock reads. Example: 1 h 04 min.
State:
12 h 03 min
